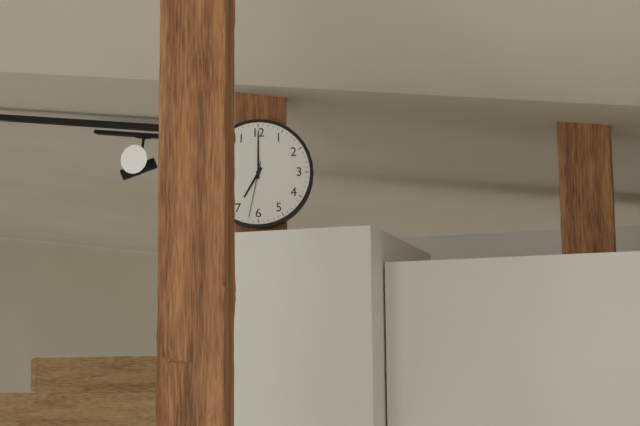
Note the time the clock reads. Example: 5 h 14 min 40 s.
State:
7 h 00 min 32 s
